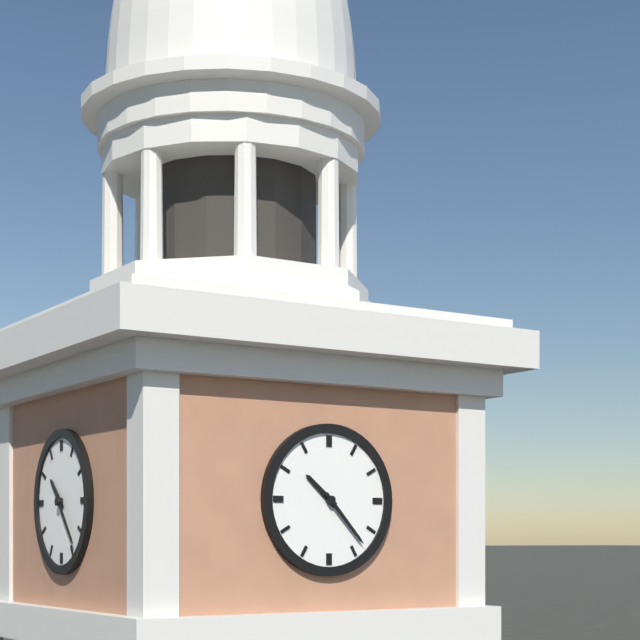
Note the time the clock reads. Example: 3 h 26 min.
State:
10 h 23 min
